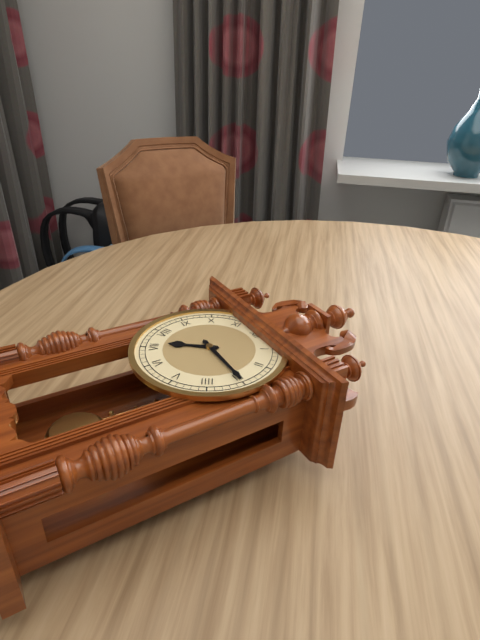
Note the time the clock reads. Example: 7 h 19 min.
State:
7 h 15 min
